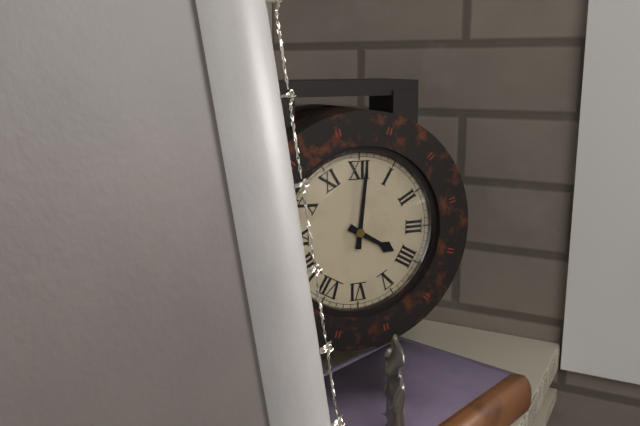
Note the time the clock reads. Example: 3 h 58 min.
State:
4 h 01 min
